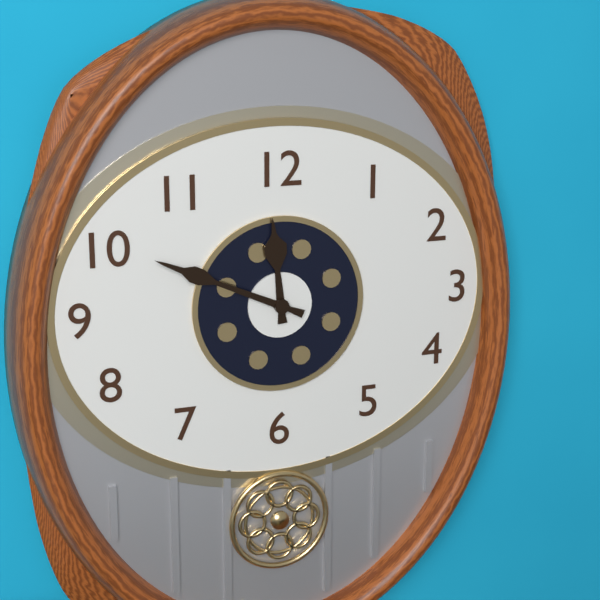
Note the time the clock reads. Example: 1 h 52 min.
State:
11 h 49 min
